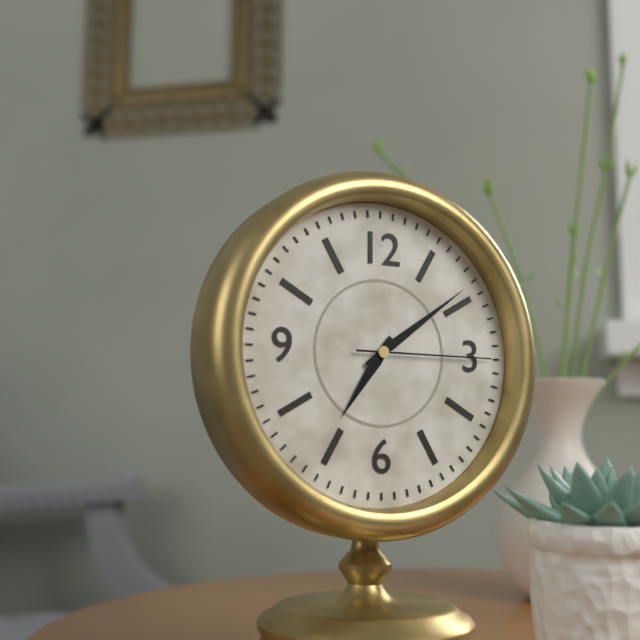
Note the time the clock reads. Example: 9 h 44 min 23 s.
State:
7 h 09 min 15 s
